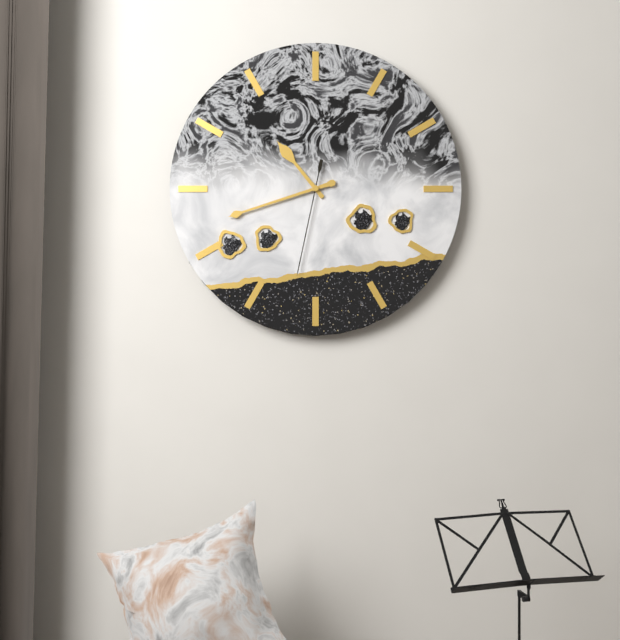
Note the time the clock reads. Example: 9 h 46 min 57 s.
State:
10 h 42 min 32 s
